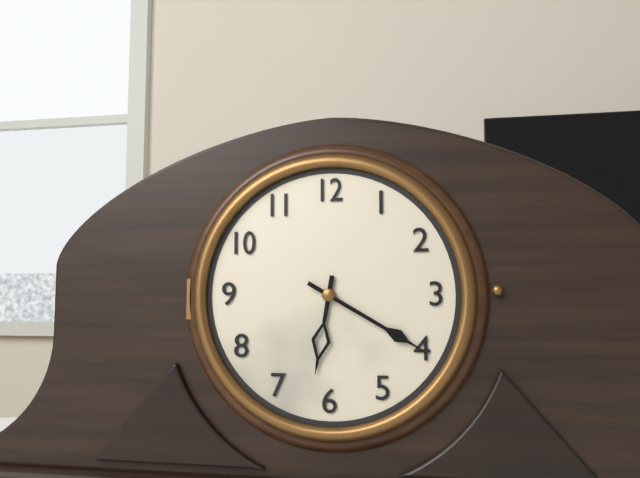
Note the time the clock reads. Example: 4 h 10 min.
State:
6 h 20 min
